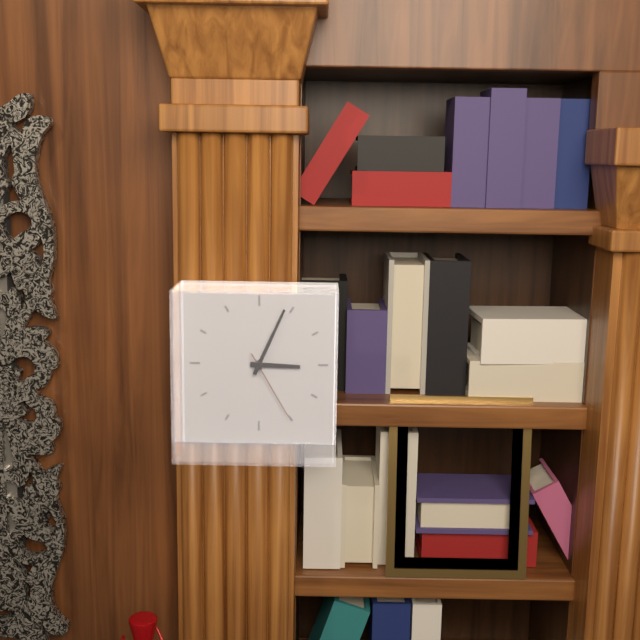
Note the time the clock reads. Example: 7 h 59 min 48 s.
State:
3 h 04 min 25 s
